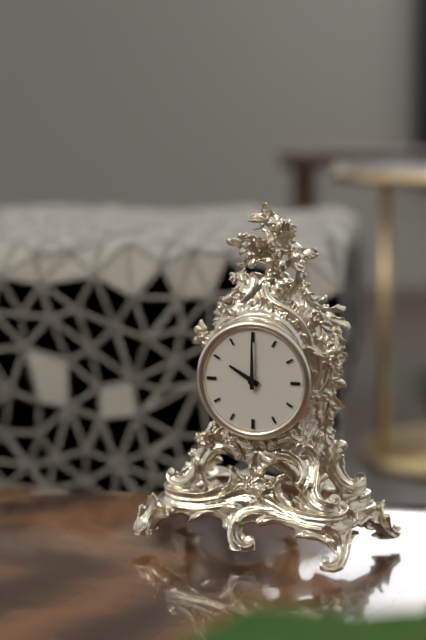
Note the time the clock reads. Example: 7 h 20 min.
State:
10 h 00 min
